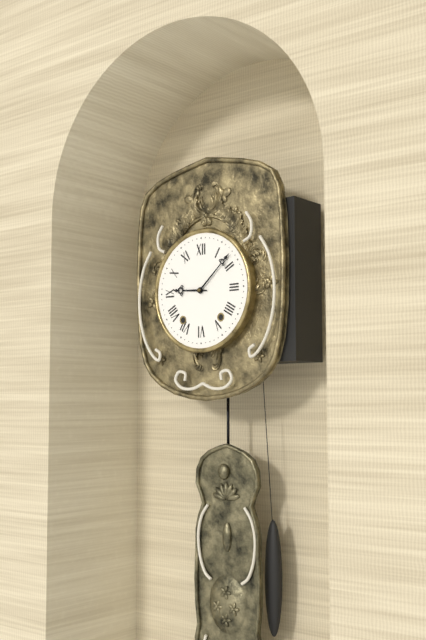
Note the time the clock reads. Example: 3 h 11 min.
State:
9 h 08 min
